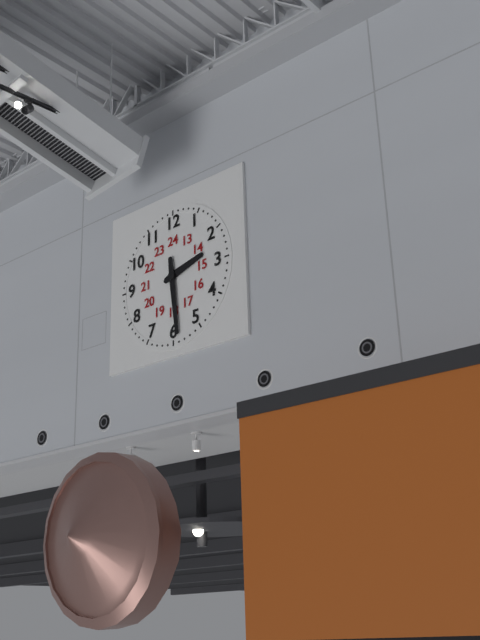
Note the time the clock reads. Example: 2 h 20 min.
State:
2 h 29 min
